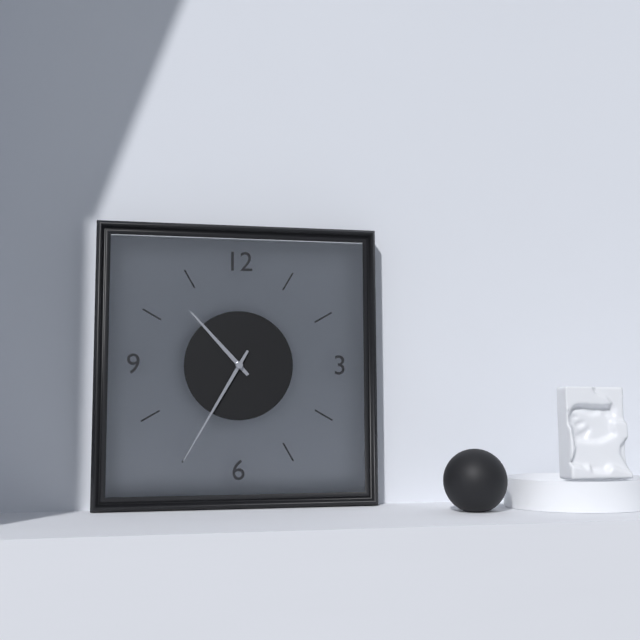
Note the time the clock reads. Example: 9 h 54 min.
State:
10 h 35 min
